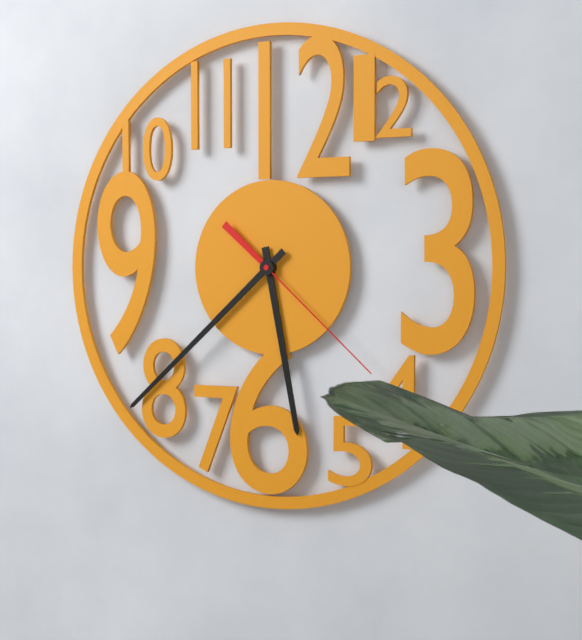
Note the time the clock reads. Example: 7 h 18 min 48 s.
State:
5 h 38 min 22 s
